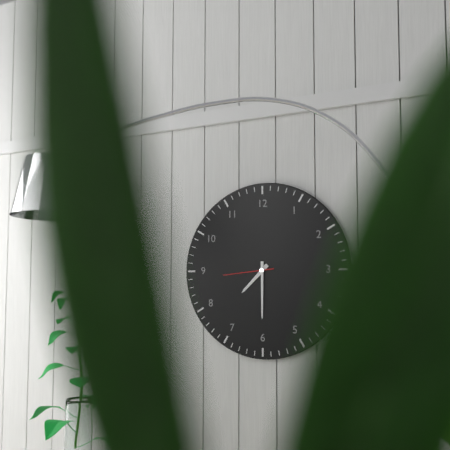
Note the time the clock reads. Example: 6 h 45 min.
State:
7 h 30 min
